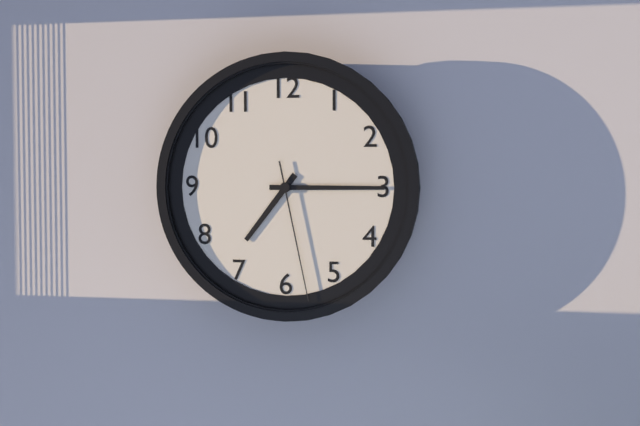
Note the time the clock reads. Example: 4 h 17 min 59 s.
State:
7 h 15 min 28 s
